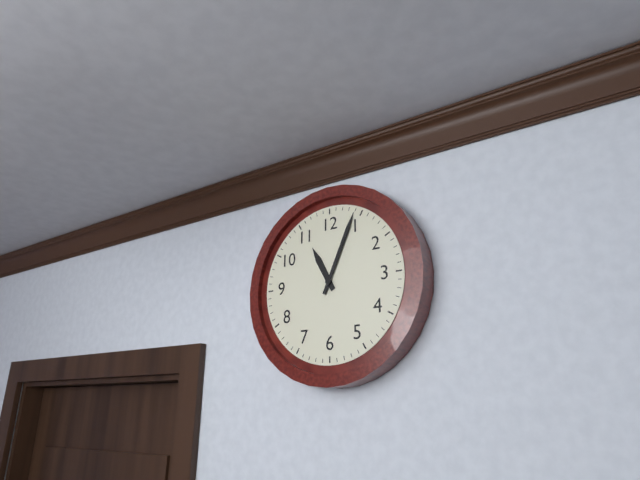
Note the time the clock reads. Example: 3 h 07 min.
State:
11 h 04 min
